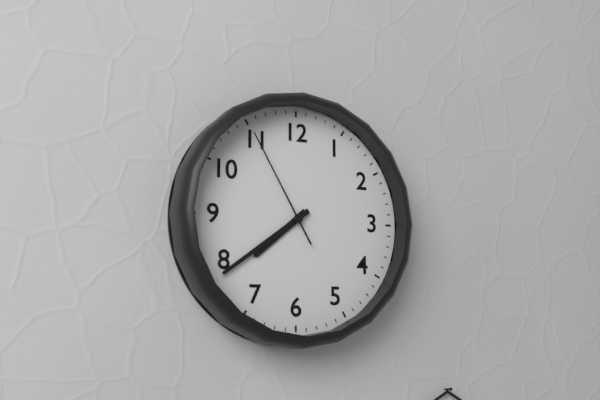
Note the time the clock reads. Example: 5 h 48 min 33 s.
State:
7 h 39 min 55 s
